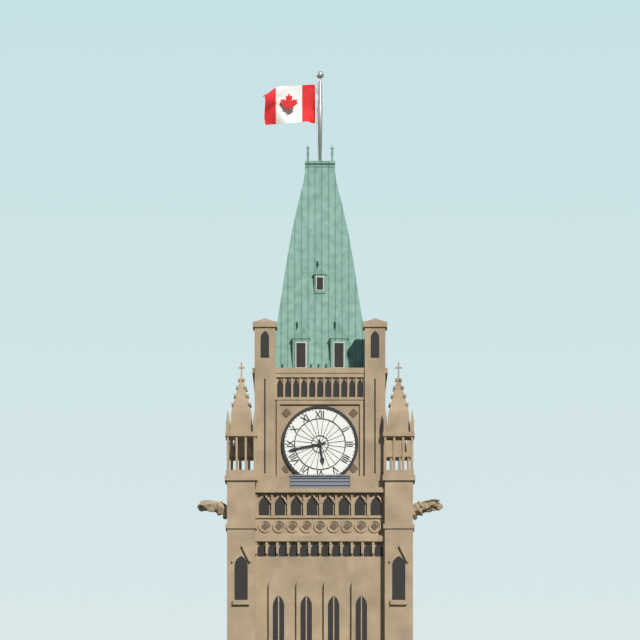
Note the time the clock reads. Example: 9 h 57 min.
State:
5 h 43 min
